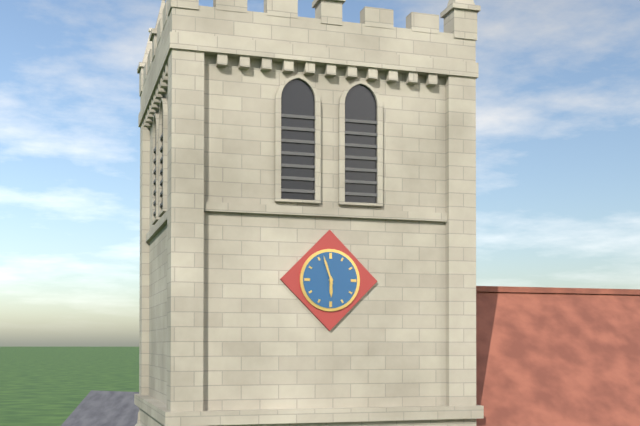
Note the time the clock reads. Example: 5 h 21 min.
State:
5 h 57 min
